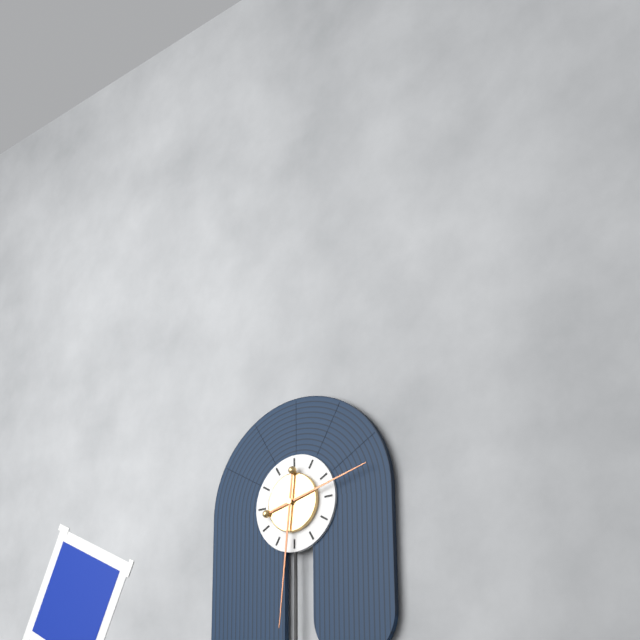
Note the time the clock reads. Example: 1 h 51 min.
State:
2 h 31 min
